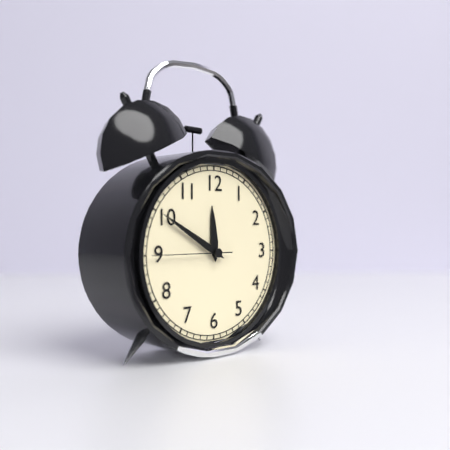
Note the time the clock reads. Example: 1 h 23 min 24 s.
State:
11 h 50 min 45 s
